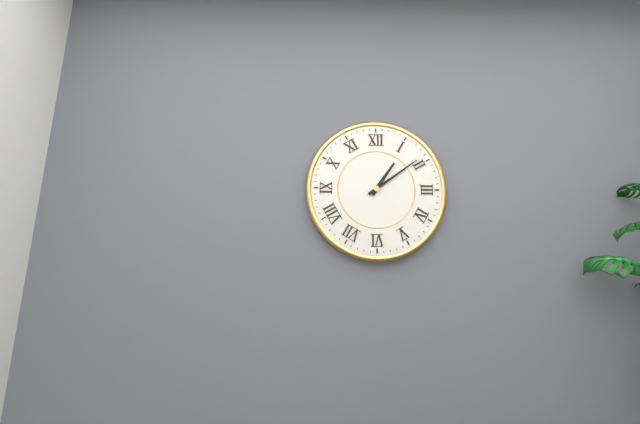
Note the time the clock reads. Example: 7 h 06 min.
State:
1 h 09 min
